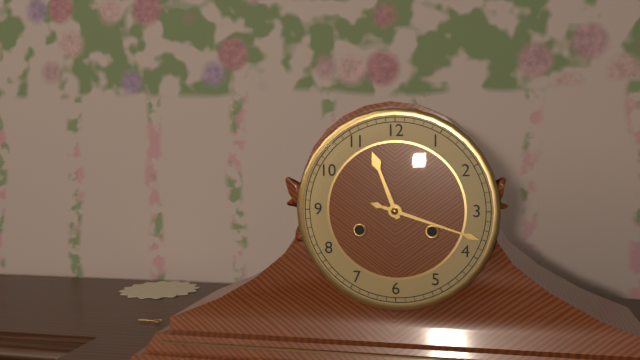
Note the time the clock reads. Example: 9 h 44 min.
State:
11 h 18 min
